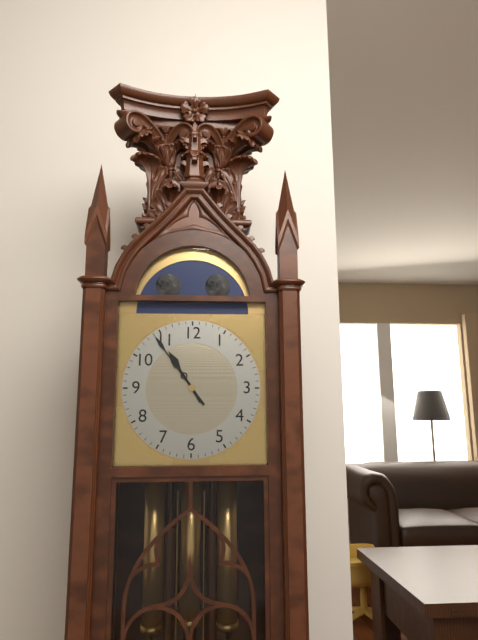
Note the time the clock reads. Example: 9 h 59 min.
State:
10 h 54 min
